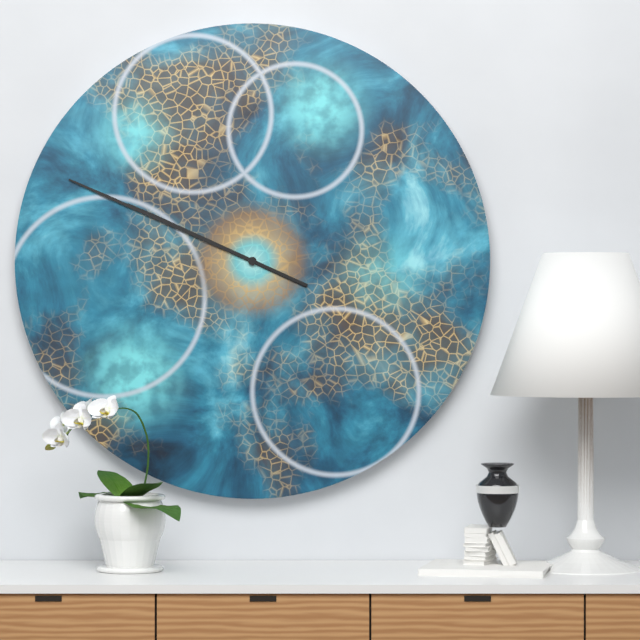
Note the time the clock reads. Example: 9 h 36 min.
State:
9 h 49 min
